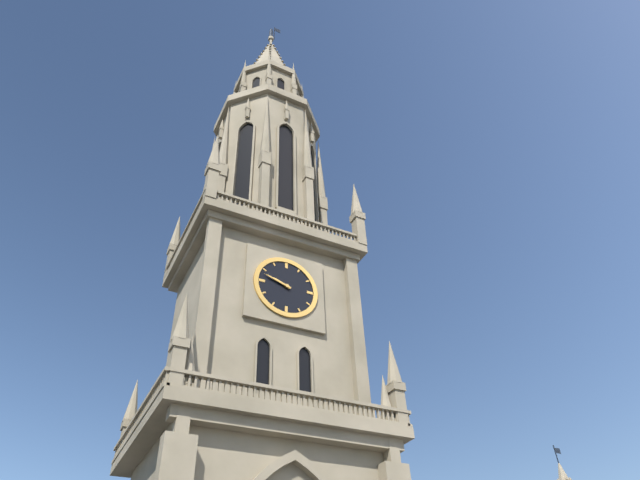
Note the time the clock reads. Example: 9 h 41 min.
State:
9 h 48 min
